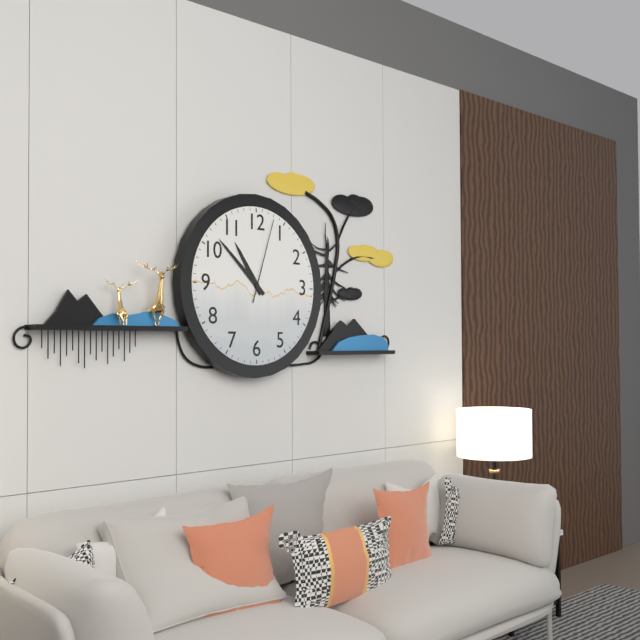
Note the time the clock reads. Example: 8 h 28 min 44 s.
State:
10 h 52 min 03 s
